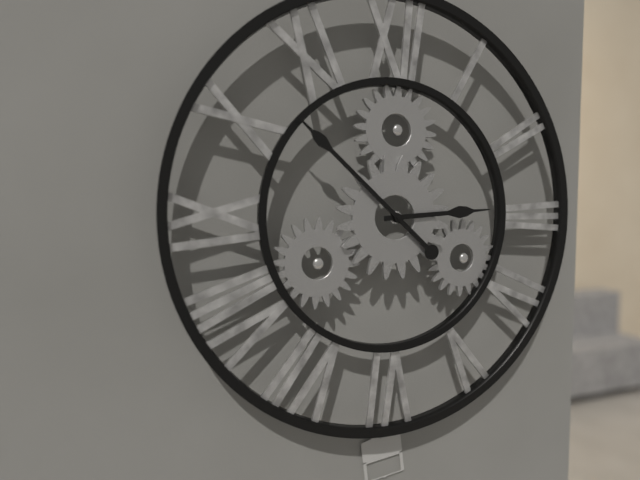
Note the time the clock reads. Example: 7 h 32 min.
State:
2 h 52 min
